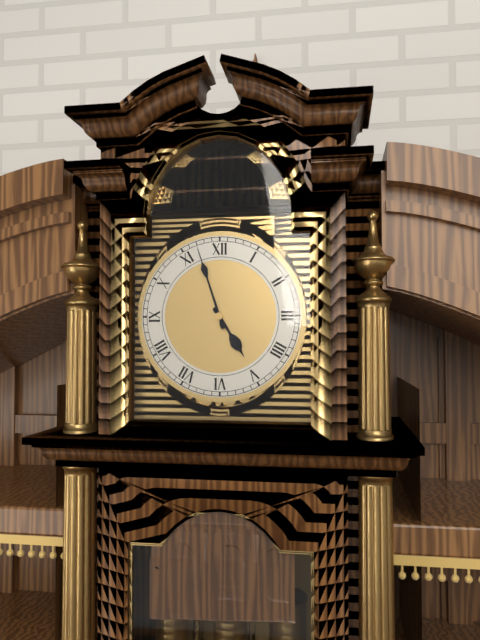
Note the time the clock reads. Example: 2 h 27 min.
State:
4 h 57 min
